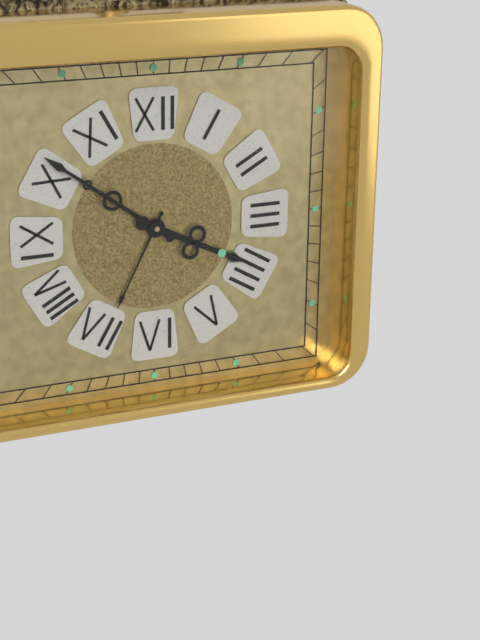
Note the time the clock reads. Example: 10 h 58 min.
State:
3 h 51 min
